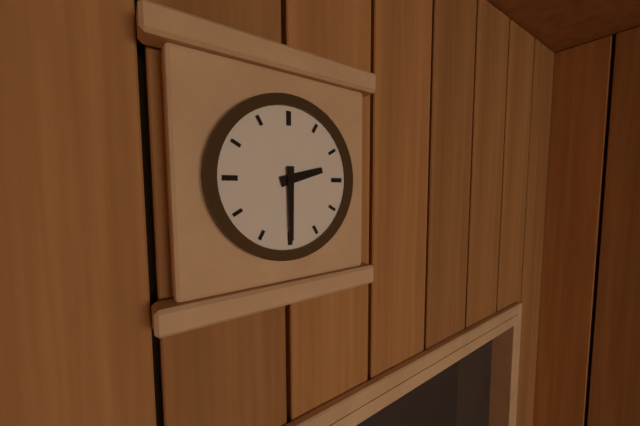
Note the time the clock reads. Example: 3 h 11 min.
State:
2 h 30 min
